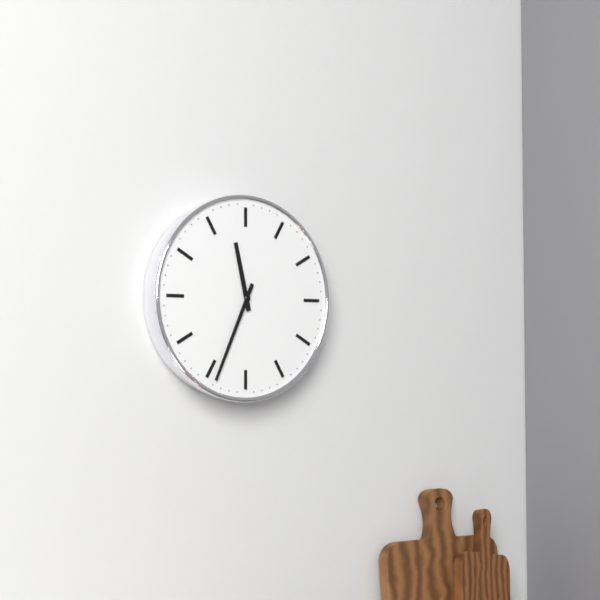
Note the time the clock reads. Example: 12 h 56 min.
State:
11 h 34 min
